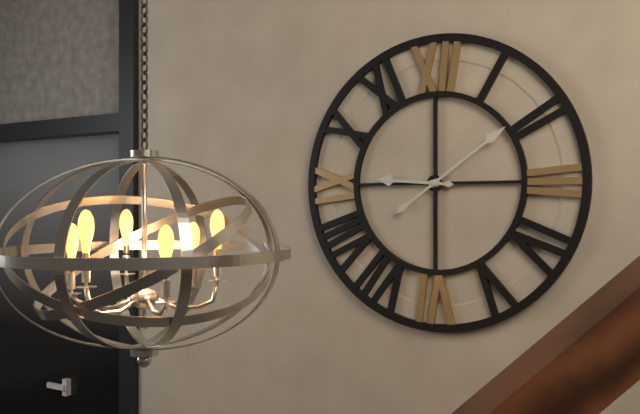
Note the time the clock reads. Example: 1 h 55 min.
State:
9 h 09 min
